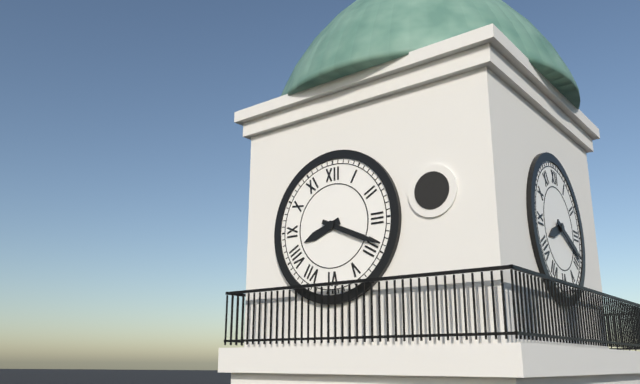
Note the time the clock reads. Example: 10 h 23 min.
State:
8 h 19 min
